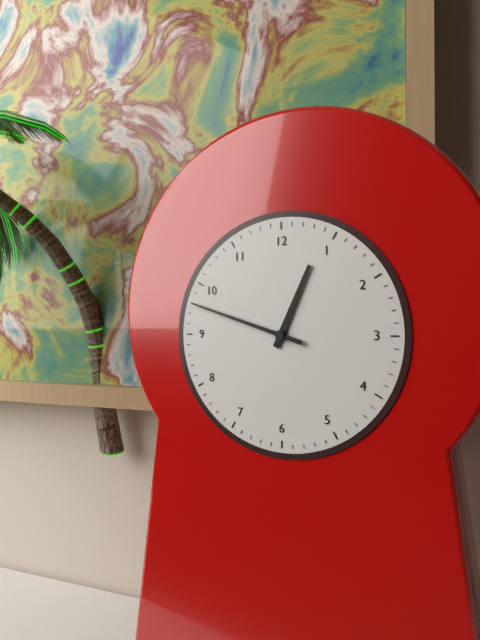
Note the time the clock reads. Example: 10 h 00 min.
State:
12 h 48 min
